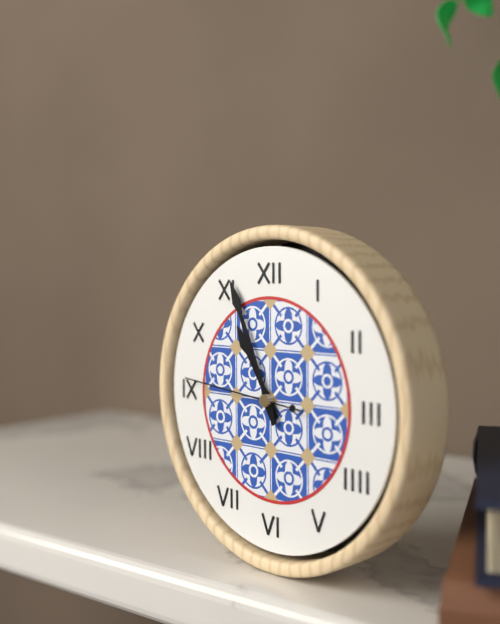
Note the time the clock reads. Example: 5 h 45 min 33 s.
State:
10 h 56 min 46 s
